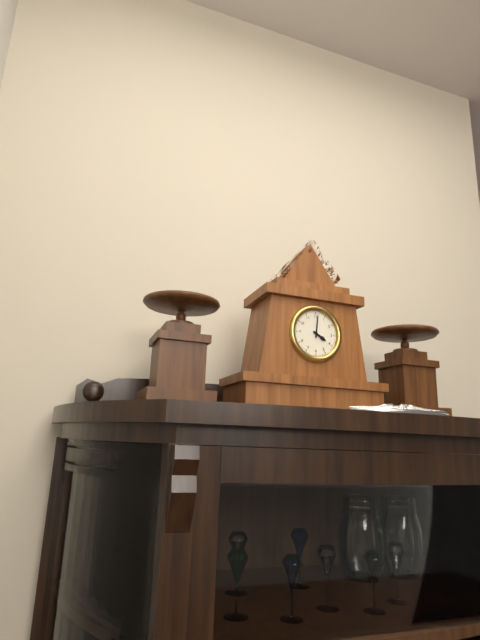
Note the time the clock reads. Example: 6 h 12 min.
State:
4 h 01 min
